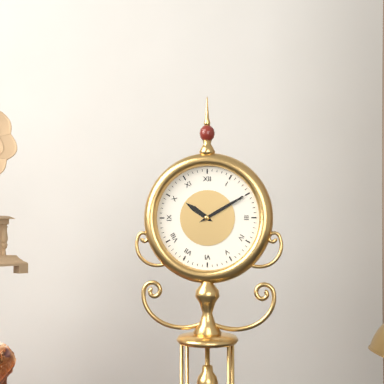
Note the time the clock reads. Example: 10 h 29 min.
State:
10 h 10 min
